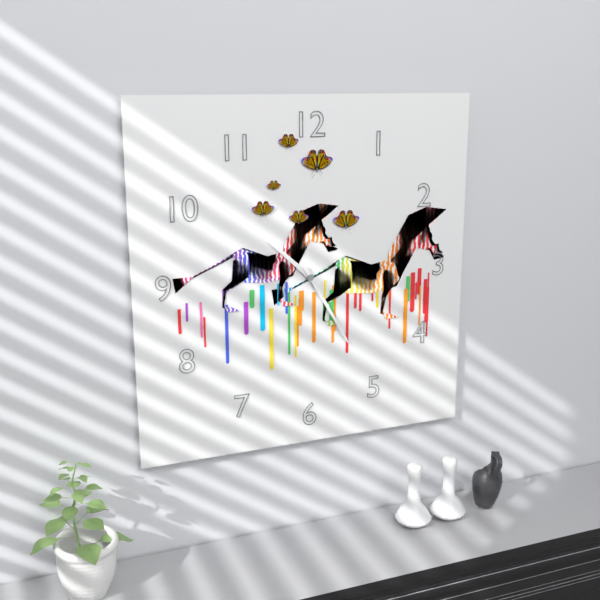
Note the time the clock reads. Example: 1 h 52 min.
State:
10 h 25 min
